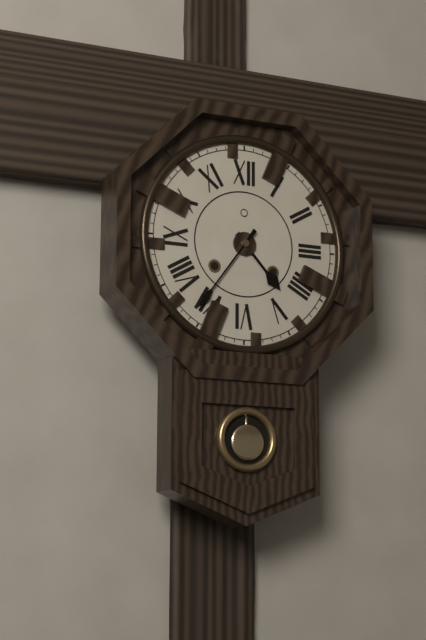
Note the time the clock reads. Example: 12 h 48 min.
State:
4 h 36 min
